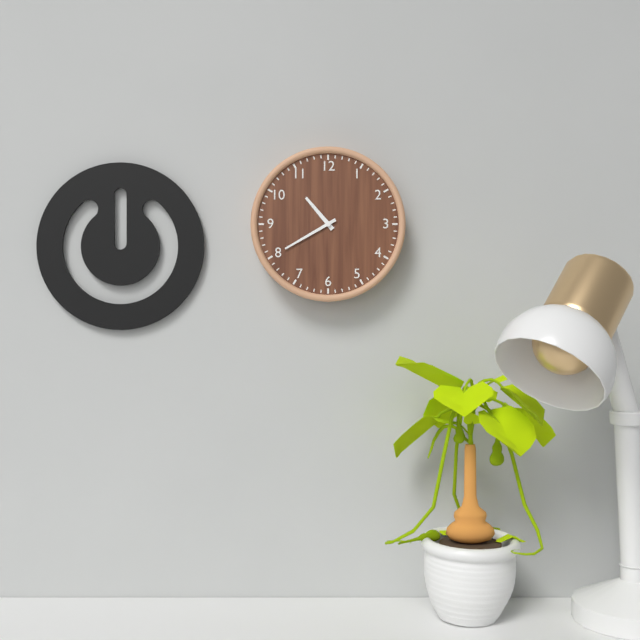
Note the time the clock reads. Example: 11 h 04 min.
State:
10 h 40 min
